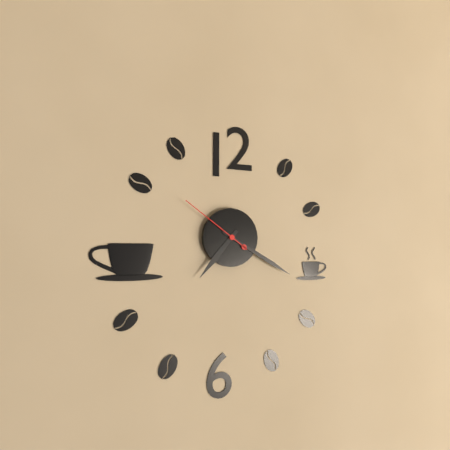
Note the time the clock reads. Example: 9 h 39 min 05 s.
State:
7 h 20 min 51 s
